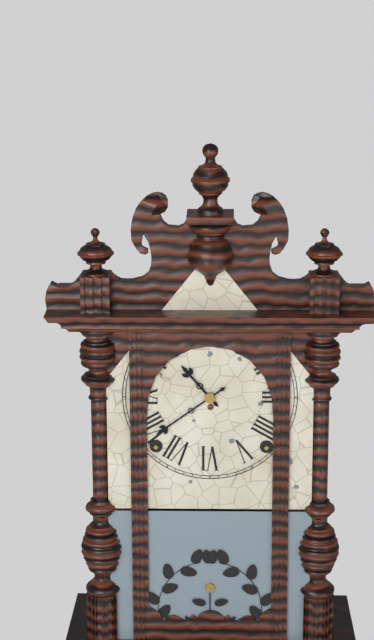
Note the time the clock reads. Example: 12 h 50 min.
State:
10 h 39 min
